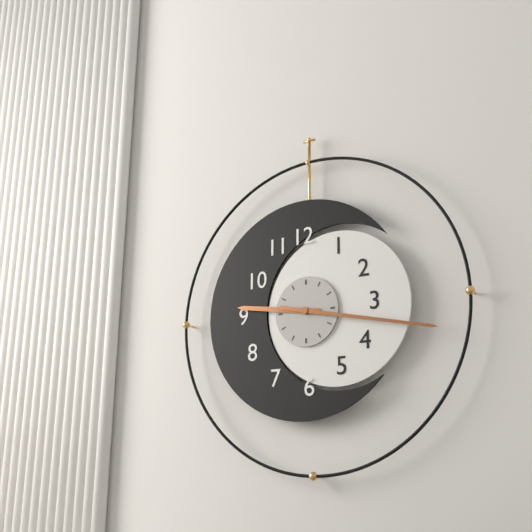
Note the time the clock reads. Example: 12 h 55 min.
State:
9 h 17 min
